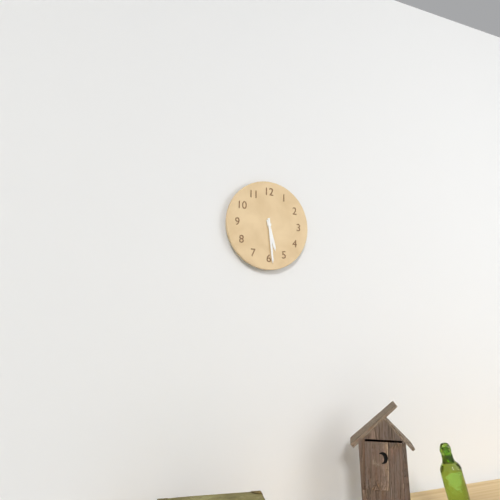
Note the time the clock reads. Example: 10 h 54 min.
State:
5 h 29 min
